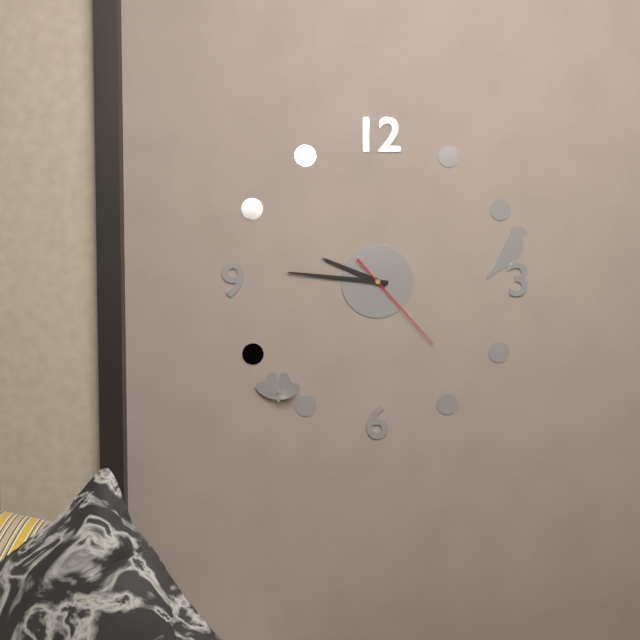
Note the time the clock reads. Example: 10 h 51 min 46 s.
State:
9 h 46 min 23 s
